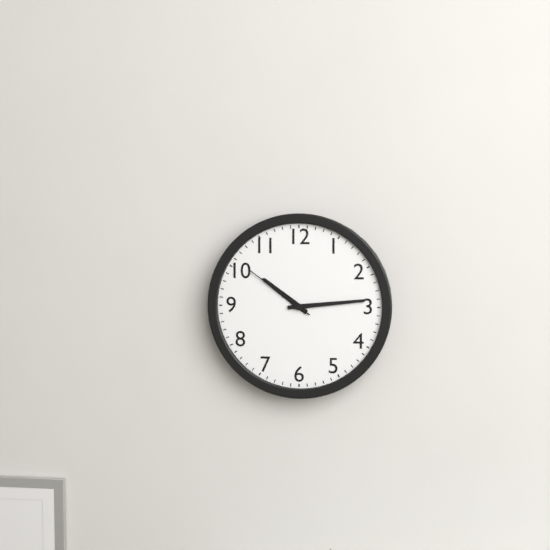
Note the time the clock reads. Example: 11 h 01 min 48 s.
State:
10 h 14 min 51 s
